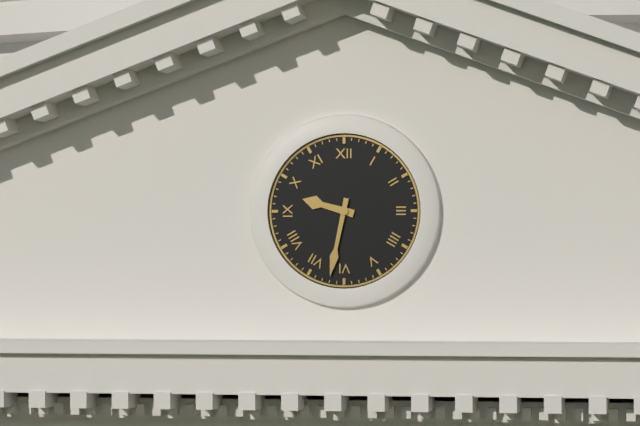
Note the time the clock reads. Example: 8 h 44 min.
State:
9 h 32 min
